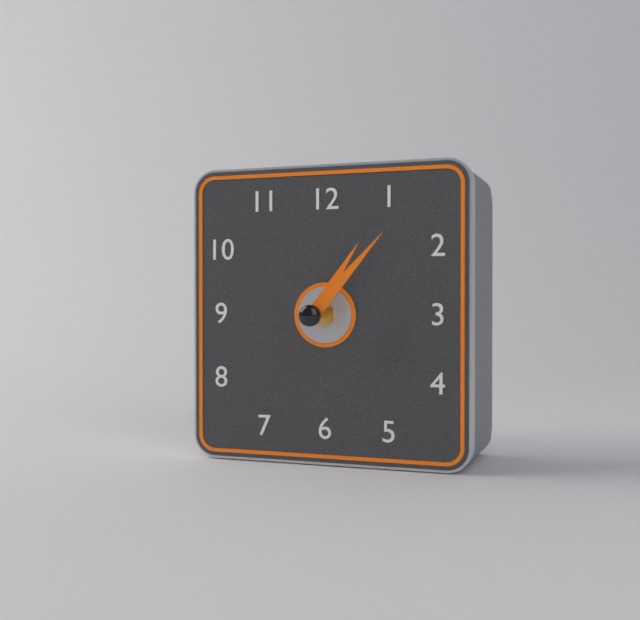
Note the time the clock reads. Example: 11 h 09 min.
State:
1 h 07 min
